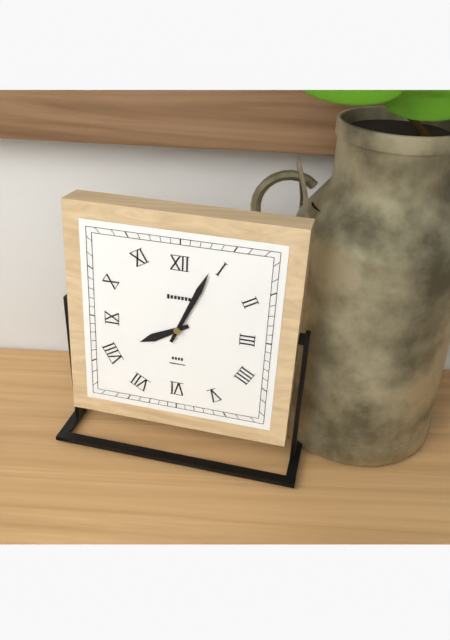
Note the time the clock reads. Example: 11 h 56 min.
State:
8 h 04 min
